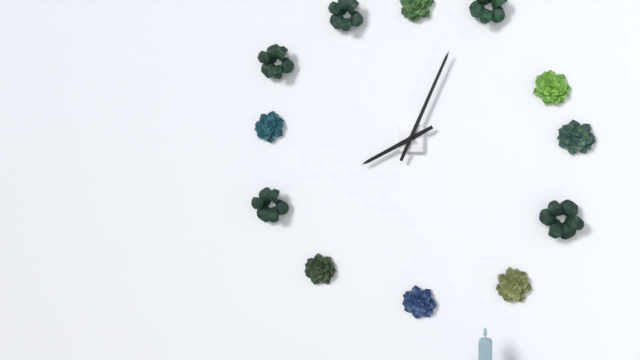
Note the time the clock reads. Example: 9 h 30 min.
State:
8 h 04 min
